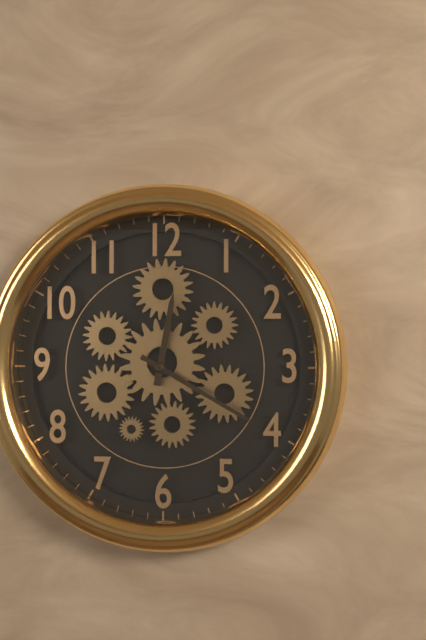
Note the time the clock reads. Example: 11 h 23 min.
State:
12 h 20 min
